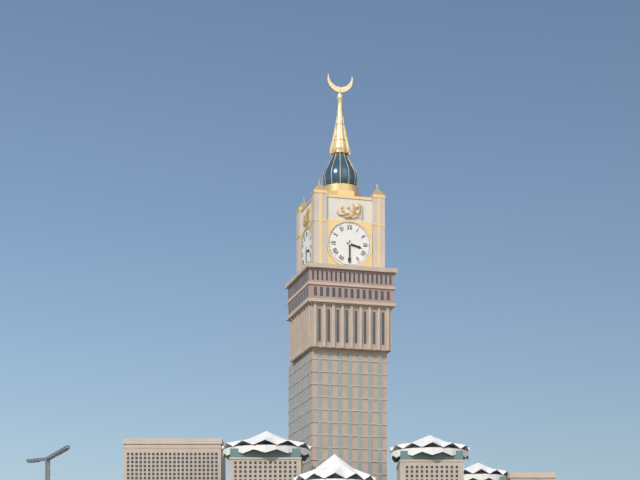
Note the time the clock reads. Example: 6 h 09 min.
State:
3 h 30 min
